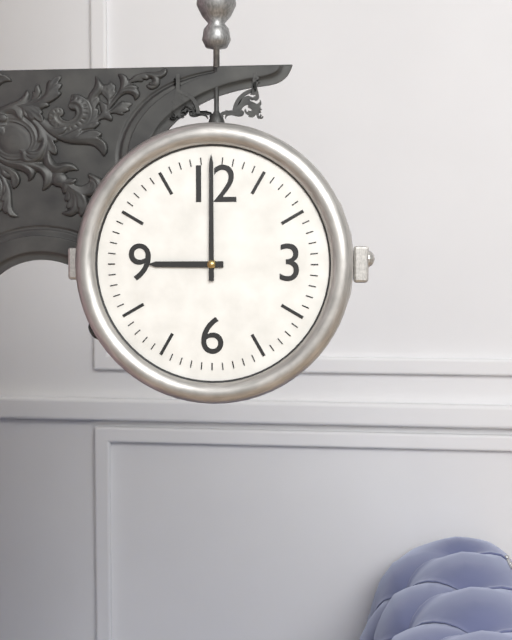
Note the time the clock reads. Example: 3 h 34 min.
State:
9 h 00 min
